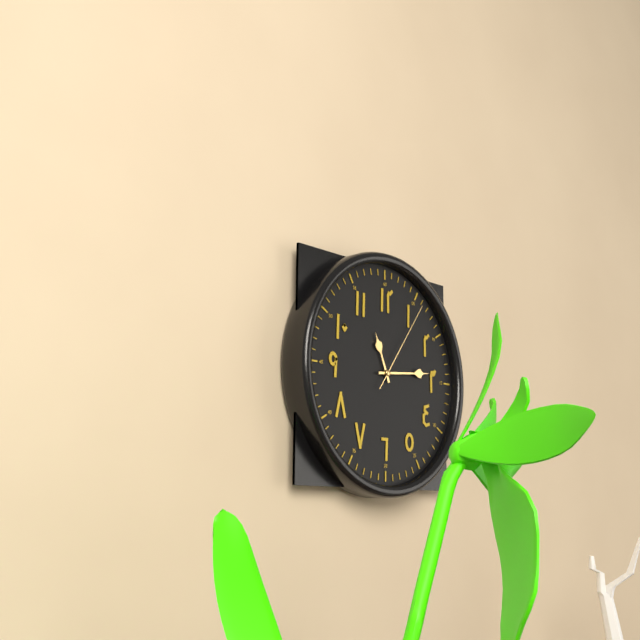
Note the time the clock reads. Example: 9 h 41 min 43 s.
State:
11 h 14 min 06 s
